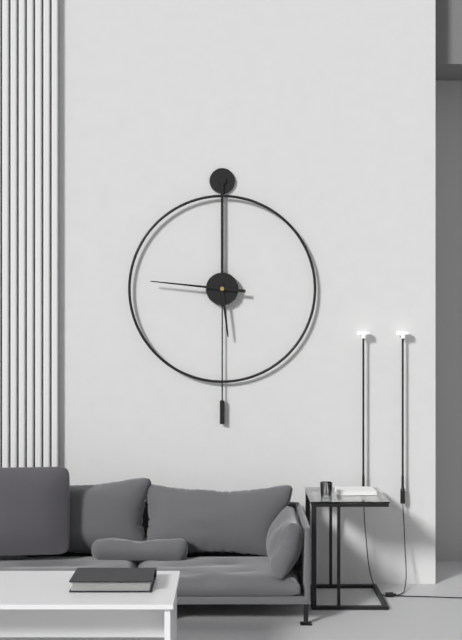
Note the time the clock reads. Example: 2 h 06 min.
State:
5 h 46 min
